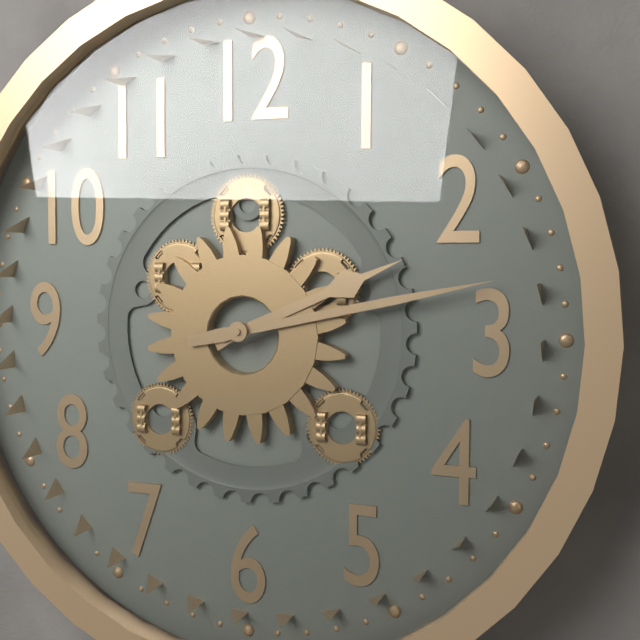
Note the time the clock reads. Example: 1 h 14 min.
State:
2 h 13 min
